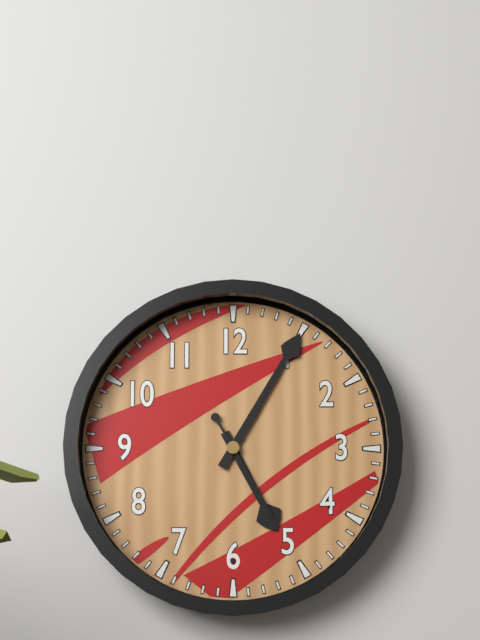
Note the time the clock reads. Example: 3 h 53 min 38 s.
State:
5 h 05 min 25 s
